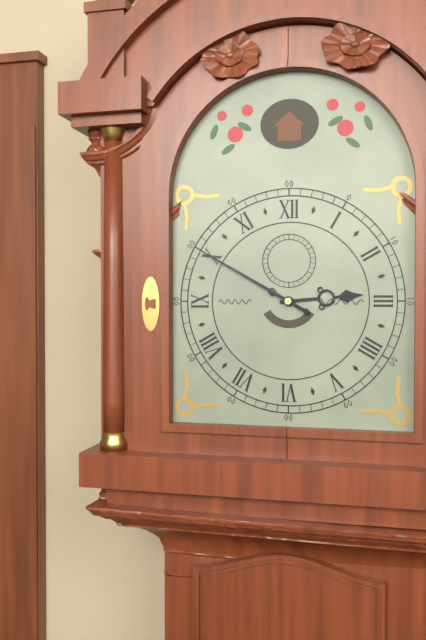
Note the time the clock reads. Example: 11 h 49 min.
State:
2 h 50 min
